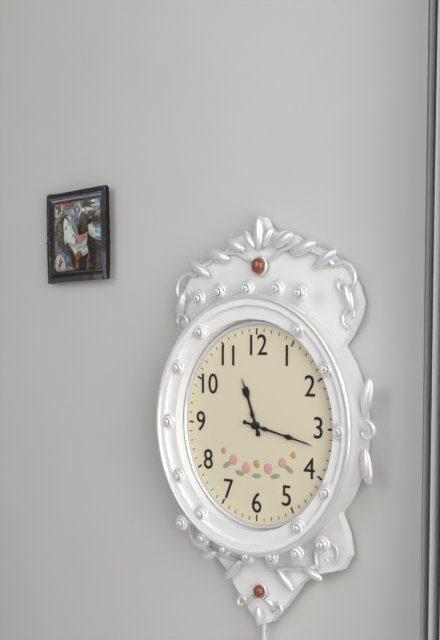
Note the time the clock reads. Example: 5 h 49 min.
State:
11 h 17 min
